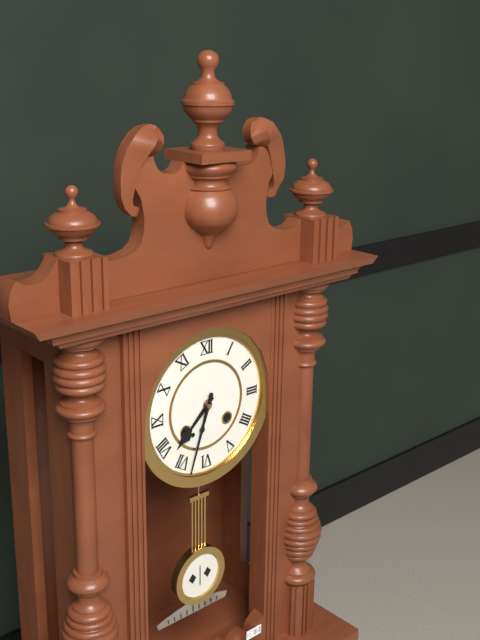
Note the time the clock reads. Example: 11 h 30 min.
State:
7 h 33 min
